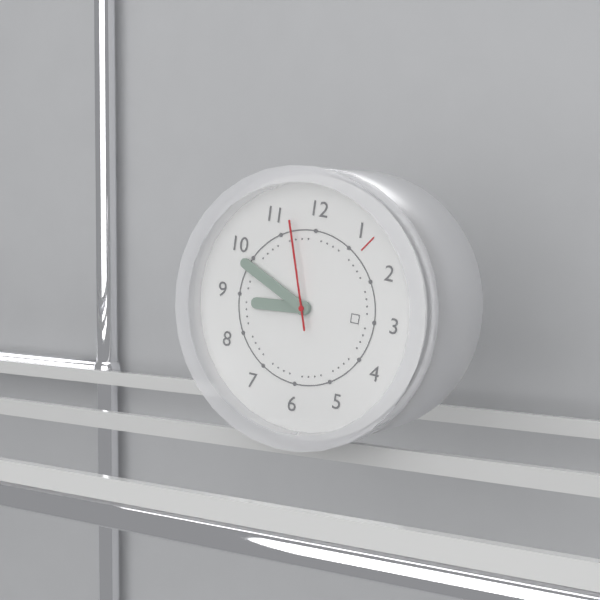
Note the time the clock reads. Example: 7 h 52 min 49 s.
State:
8 h 49 min 57 s
